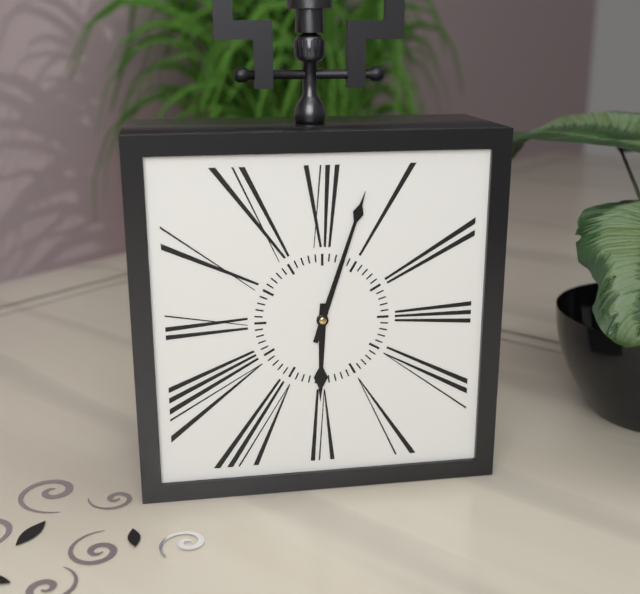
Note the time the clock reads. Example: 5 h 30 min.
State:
6 h 03 min
